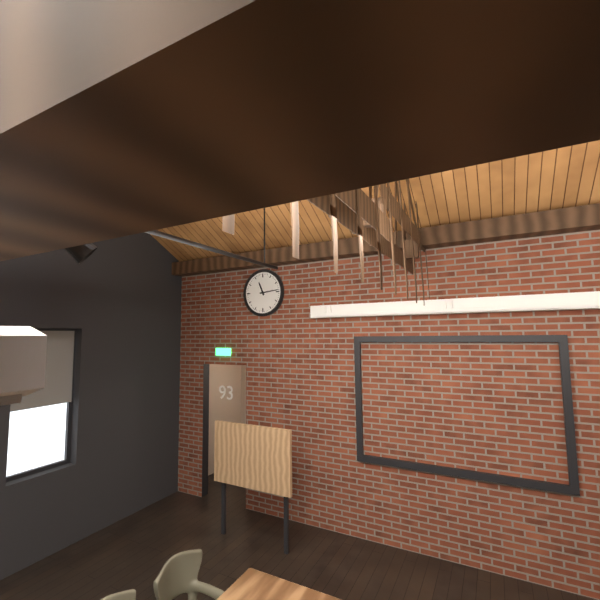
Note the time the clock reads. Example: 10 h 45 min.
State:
11 h 14 min
